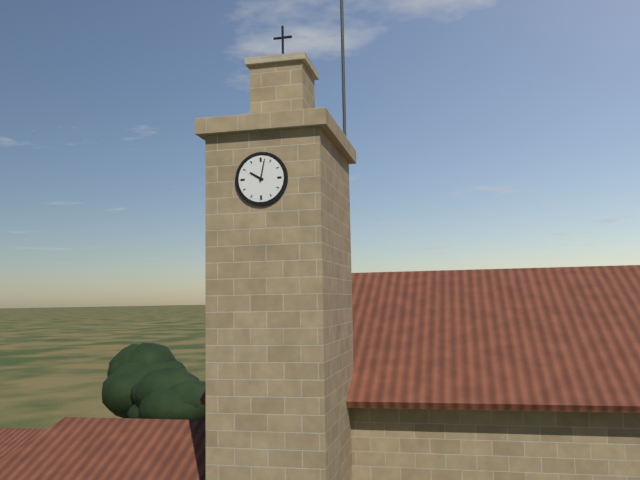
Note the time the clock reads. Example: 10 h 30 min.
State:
10 h 02 min
